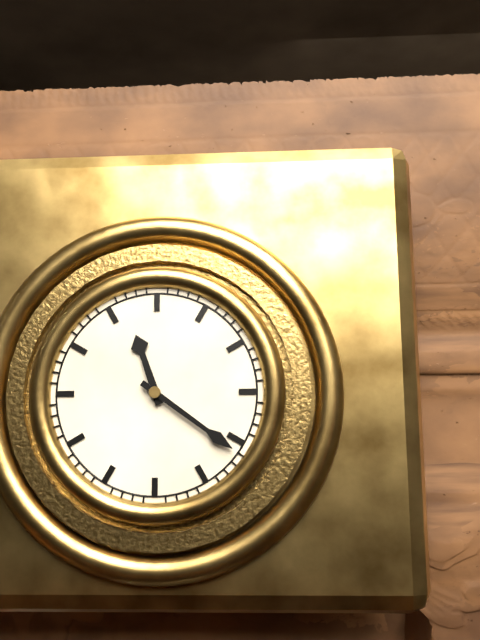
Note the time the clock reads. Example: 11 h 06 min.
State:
11 h 21 min
